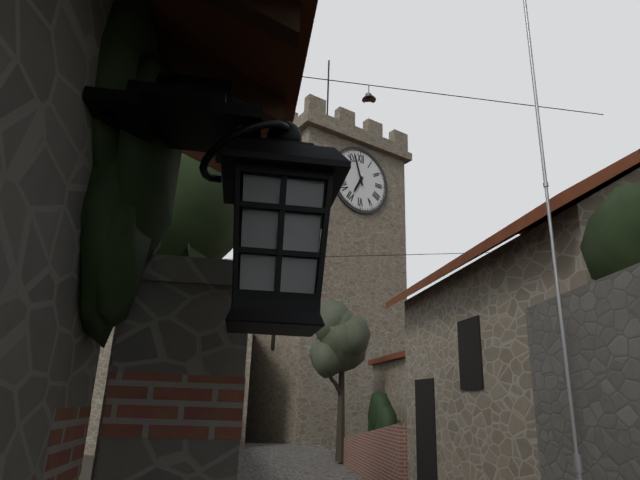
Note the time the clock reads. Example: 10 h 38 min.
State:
6 h 57 min
